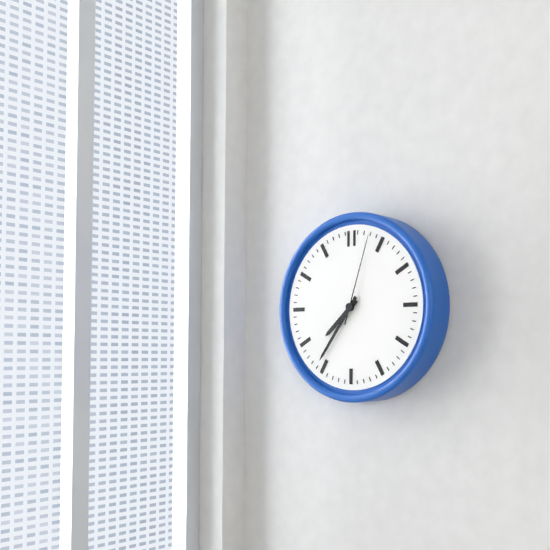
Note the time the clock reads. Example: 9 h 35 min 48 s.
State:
7 h 36 min 03 s
